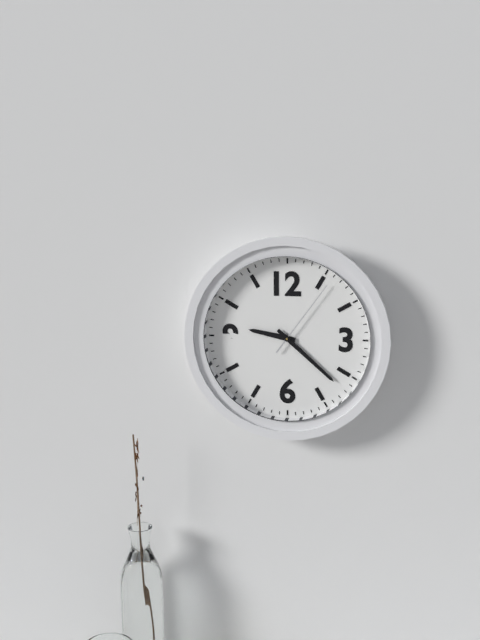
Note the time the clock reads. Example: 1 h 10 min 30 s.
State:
9 h 22 min 06 s
